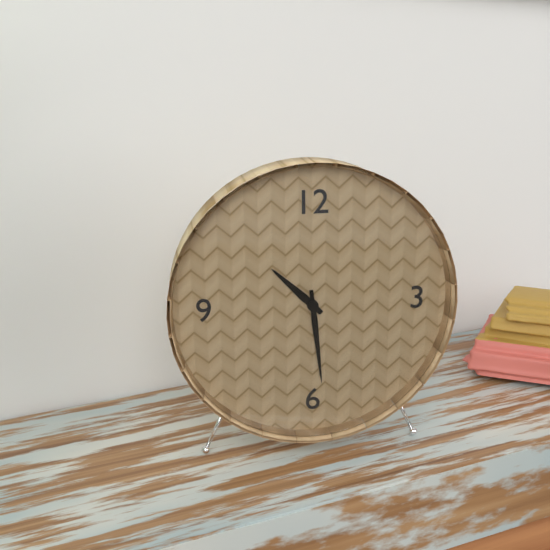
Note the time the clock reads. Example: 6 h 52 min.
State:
10 h 29 min
